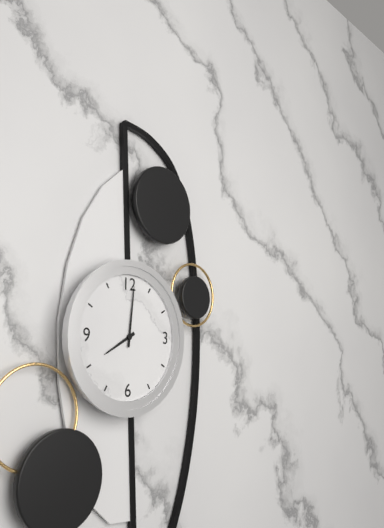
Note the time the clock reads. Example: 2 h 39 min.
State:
8 h 01 min
